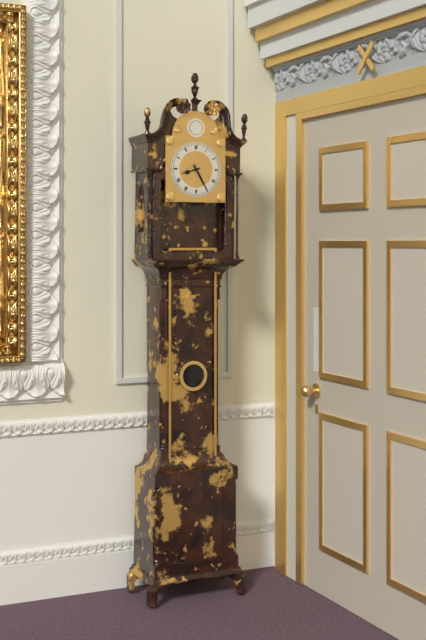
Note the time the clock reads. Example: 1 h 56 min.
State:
8 h 25 min
